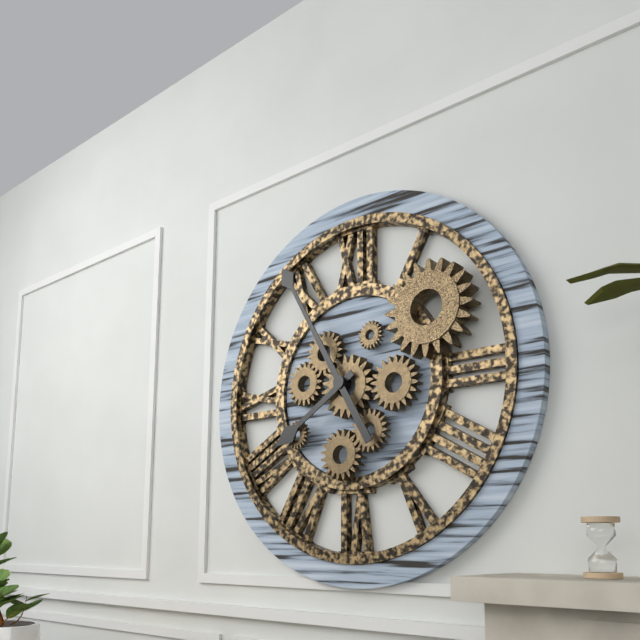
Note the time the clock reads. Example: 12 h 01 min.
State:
7 h 55 min
